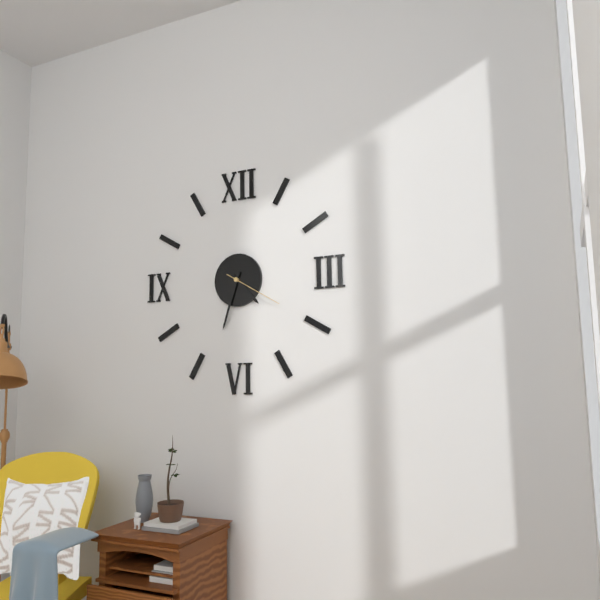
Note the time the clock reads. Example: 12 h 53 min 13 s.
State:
4 h 33 min 20 s
